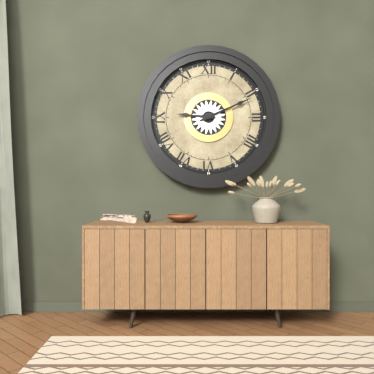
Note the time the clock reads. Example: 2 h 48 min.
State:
9 h 11 min
